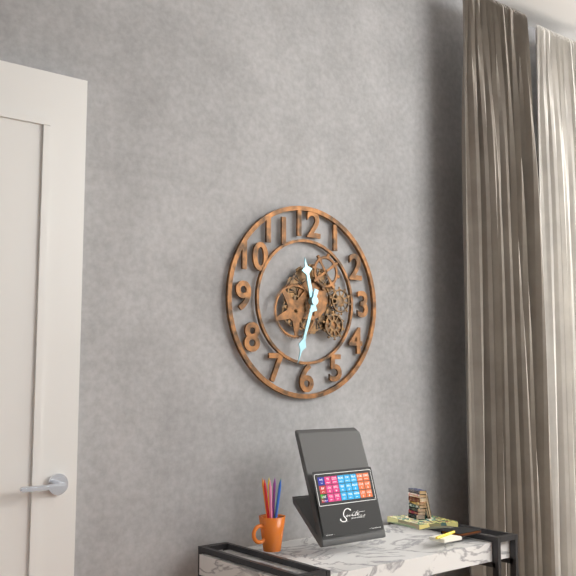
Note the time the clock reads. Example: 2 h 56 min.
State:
11 h 33 min
